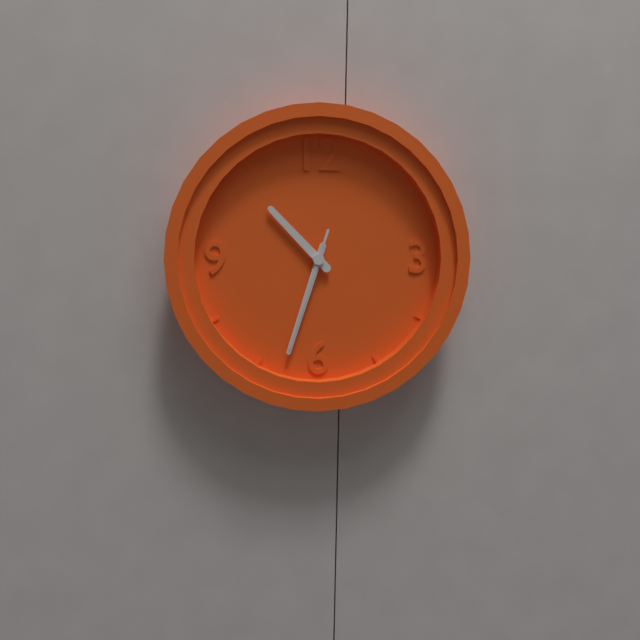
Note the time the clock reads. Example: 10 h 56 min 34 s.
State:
10 h 33 min 33 s
